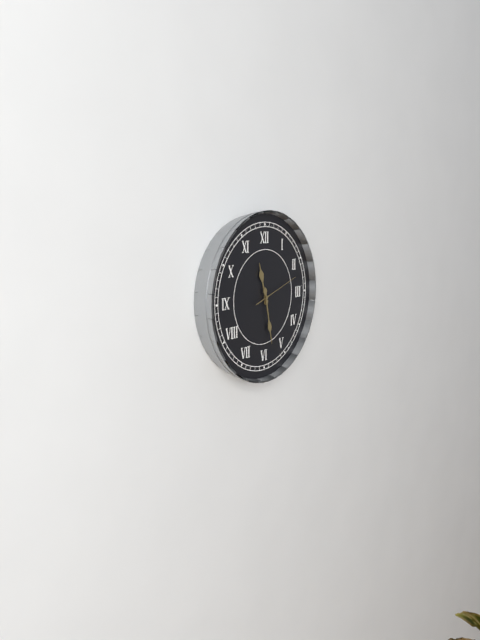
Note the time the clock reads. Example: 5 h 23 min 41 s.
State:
11 h 28 min 12 s
